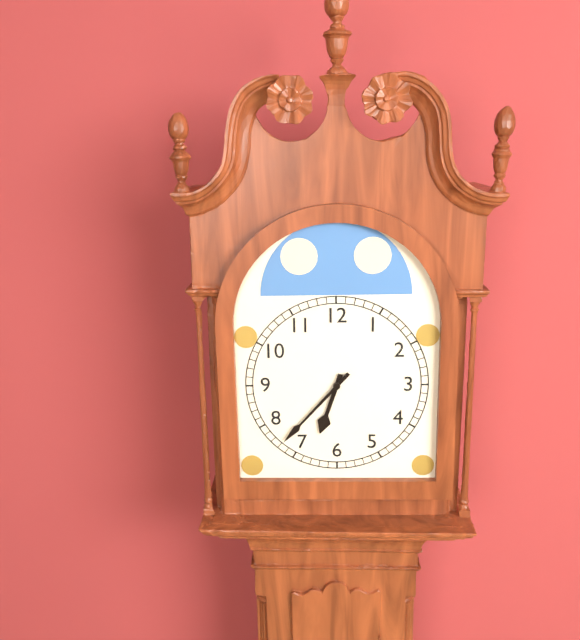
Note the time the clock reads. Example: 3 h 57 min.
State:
6 h 37 min
